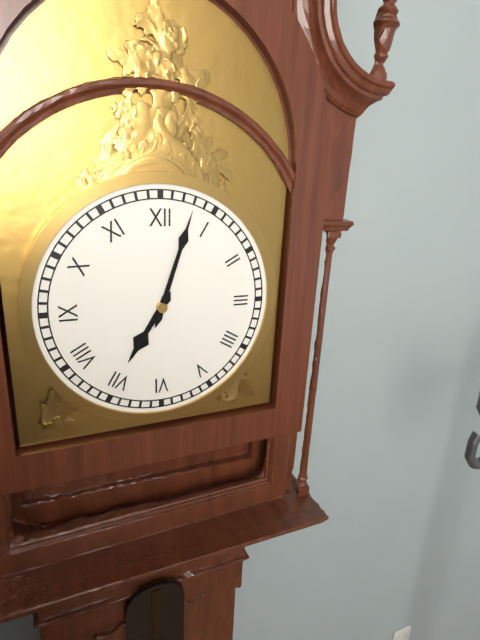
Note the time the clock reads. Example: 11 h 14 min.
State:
7 h 03 min
